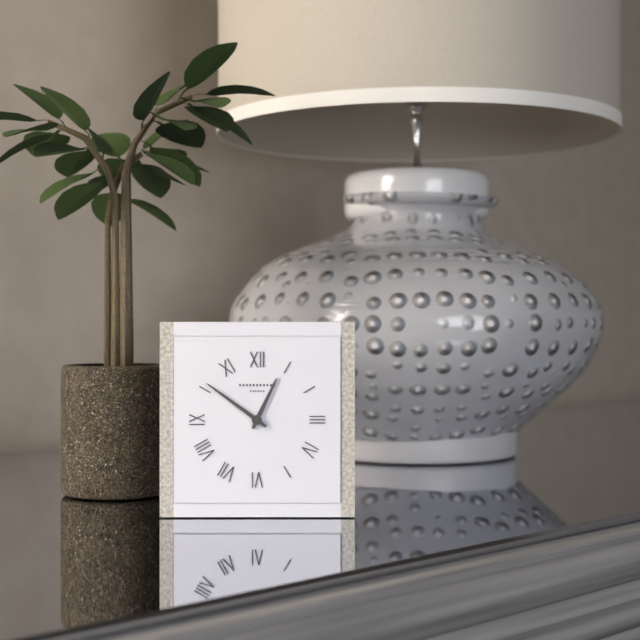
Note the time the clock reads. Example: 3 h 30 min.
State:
12 h 51 min
